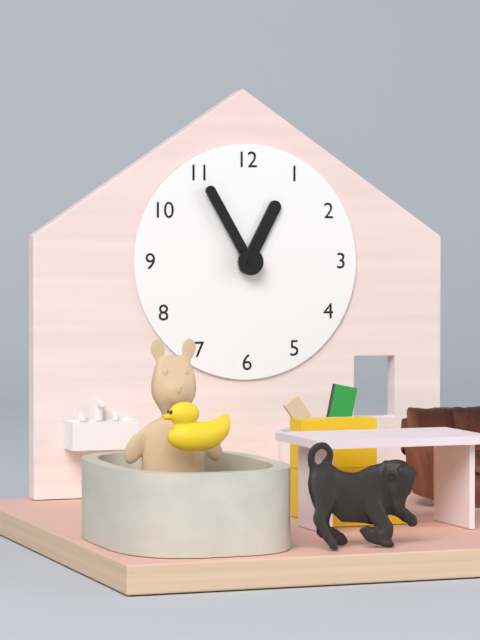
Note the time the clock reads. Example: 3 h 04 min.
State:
12 h 55 min
